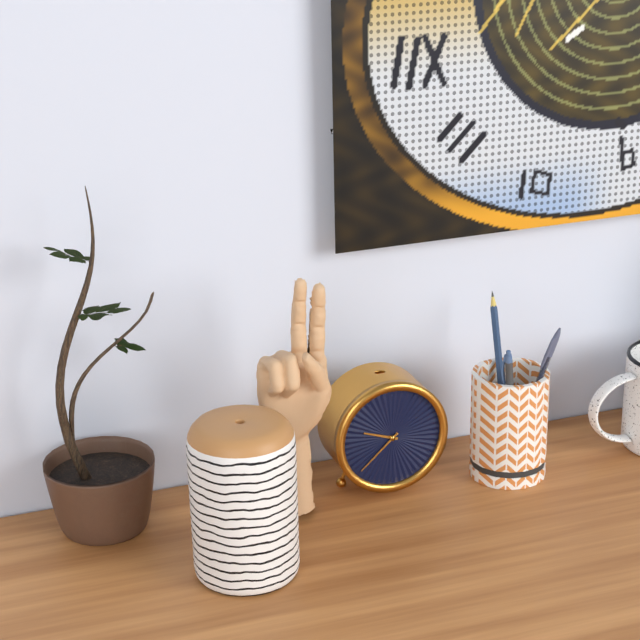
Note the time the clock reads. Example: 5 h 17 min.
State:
9 h 38 min
